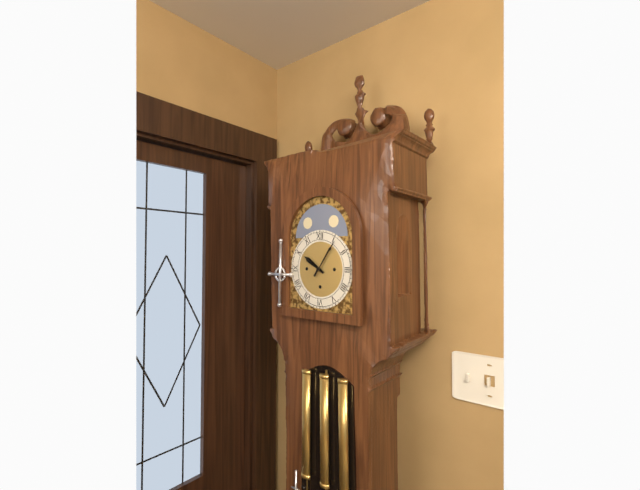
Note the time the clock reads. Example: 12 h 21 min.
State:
10 h 06 min
